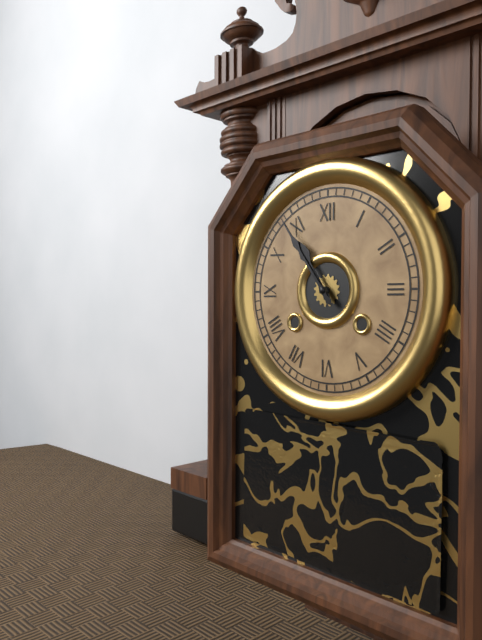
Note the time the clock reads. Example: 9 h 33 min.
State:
10 h 54 min
